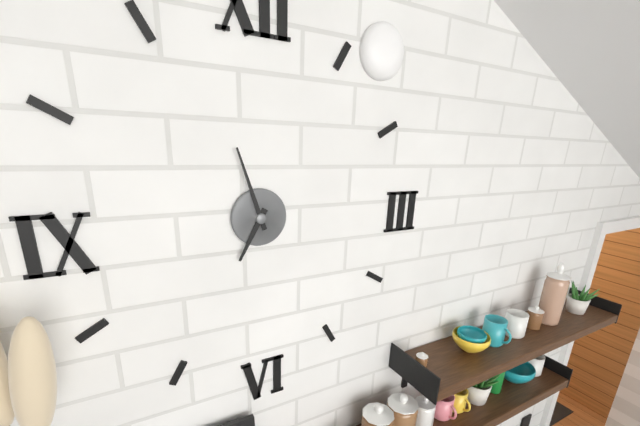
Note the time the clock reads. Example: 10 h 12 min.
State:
6 h 57 min
